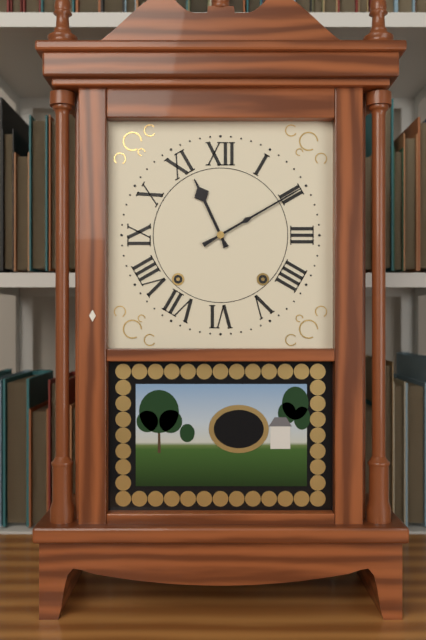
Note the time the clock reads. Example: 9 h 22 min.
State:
11 h 10 min
